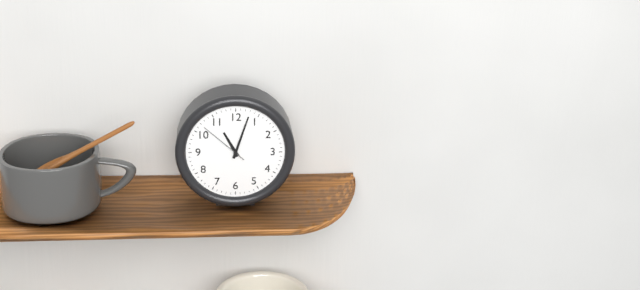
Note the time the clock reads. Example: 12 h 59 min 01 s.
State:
11 h 03 min 52 s
